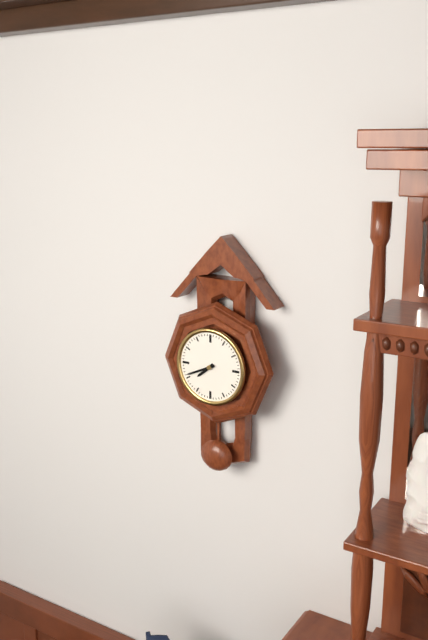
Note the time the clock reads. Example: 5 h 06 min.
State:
7 h 41 min
